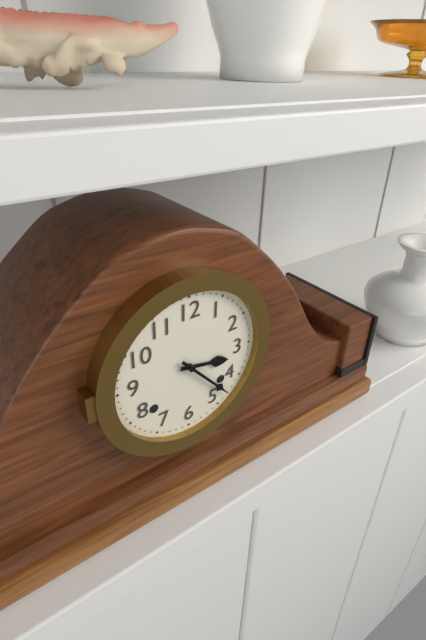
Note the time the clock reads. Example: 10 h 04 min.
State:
3 h 23 min
